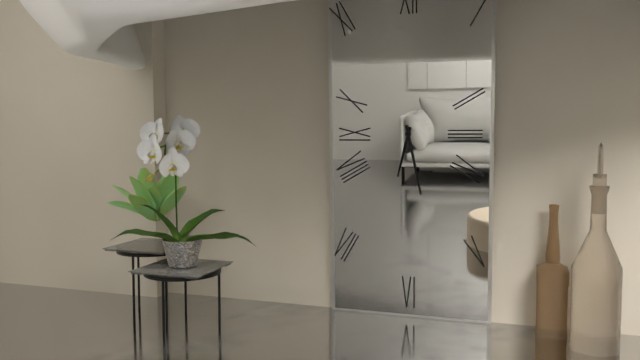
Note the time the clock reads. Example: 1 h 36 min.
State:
6 h 28 min
